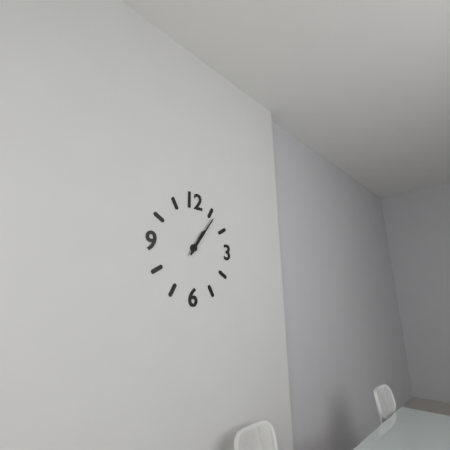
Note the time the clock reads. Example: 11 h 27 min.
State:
1 h 06 min
